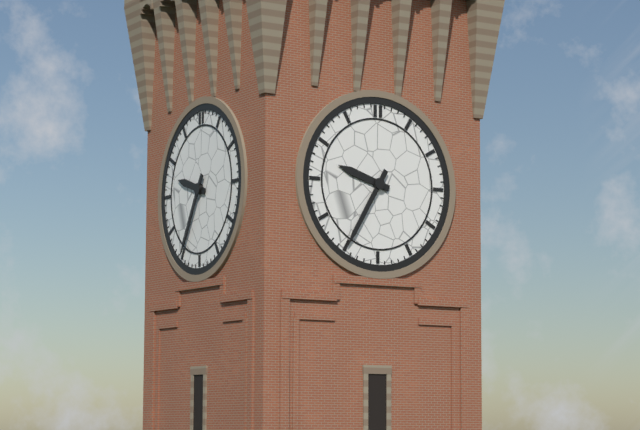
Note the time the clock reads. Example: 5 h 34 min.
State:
9 h 35 min
